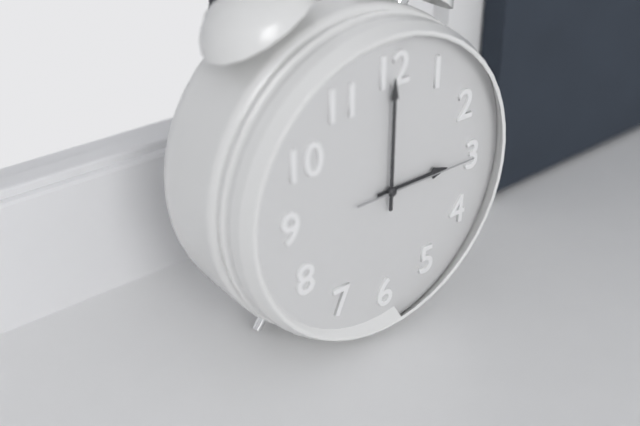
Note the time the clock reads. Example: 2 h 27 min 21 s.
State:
3 h 00 min 15 s
